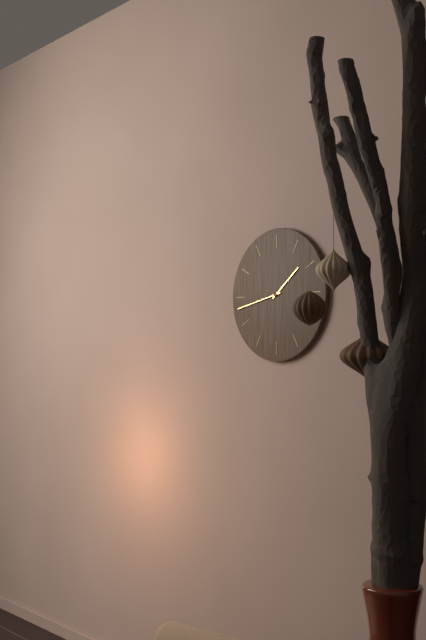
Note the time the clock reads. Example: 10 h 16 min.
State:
1 h 43 min
